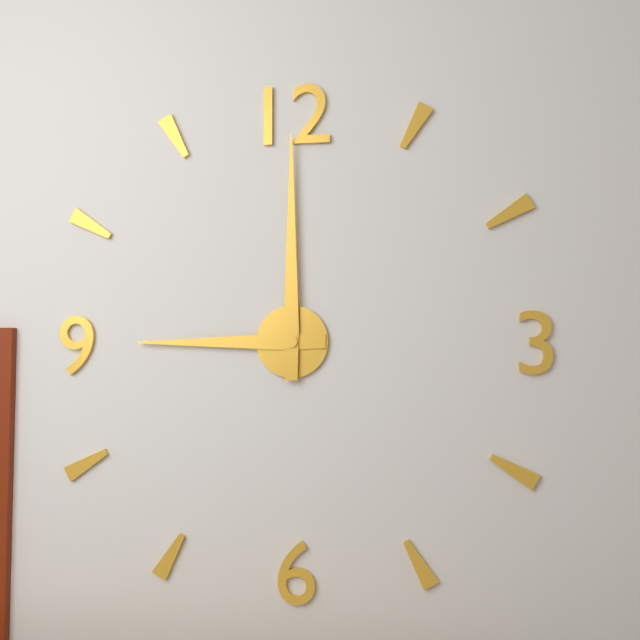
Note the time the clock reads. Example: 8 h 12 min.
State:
9 h 00 min
